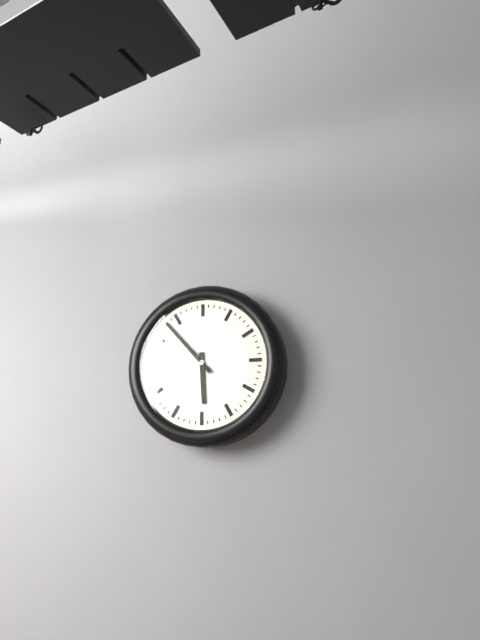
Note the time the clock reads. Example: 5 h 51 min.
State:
5 h 53 min
